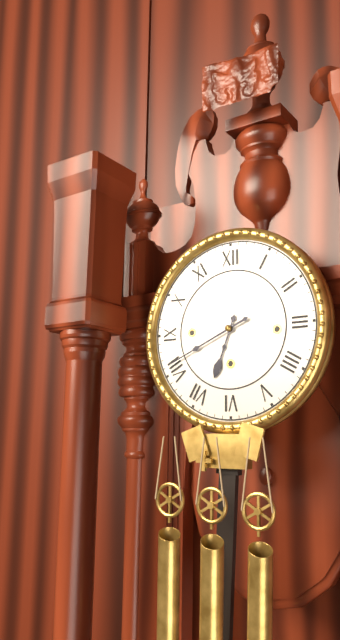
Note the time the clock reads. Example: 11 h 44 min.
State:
6 h 41 min
